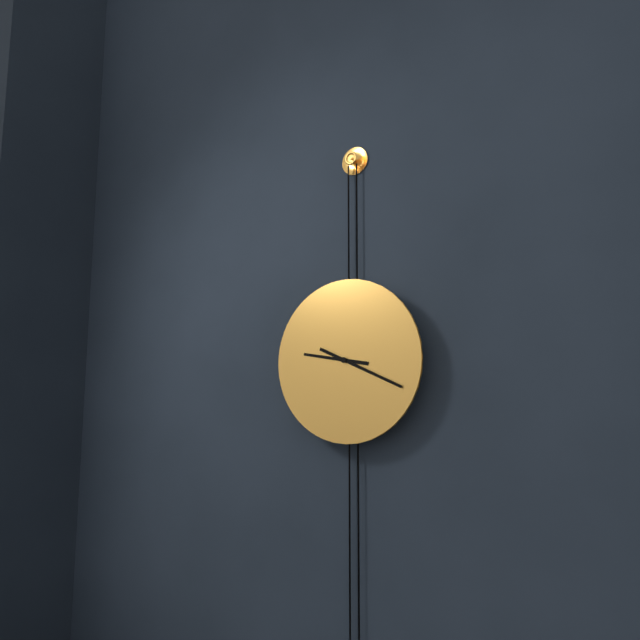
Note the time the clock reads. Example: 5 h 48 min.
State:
9 h 19 min
